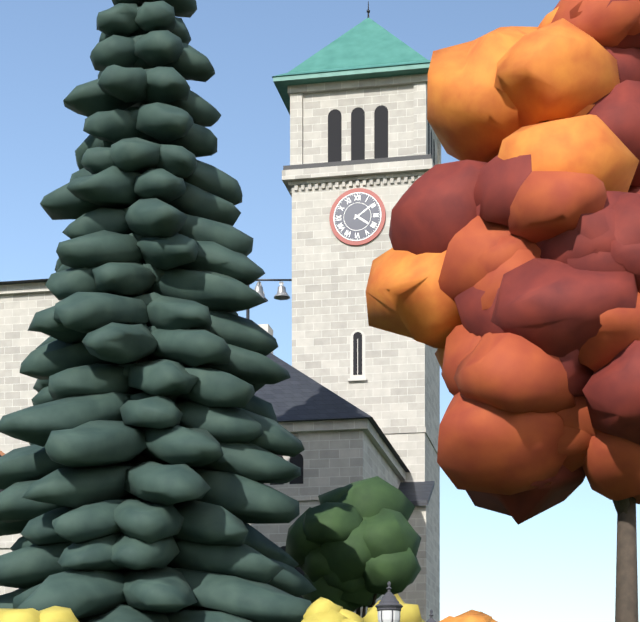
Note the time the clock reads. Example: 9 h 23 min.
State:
4 h 09 min
